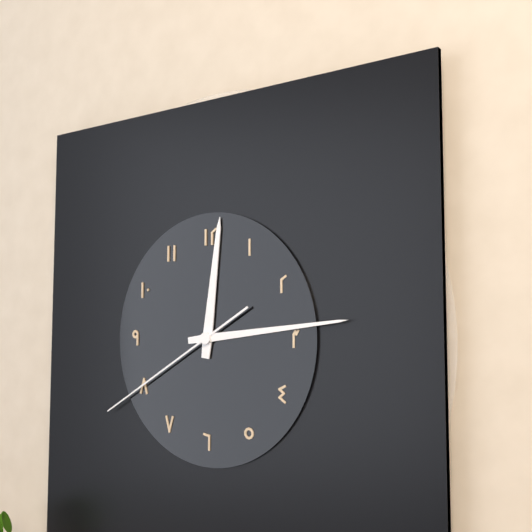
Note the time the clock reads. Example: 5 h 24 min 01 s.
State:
12 h 14 min 40 s
